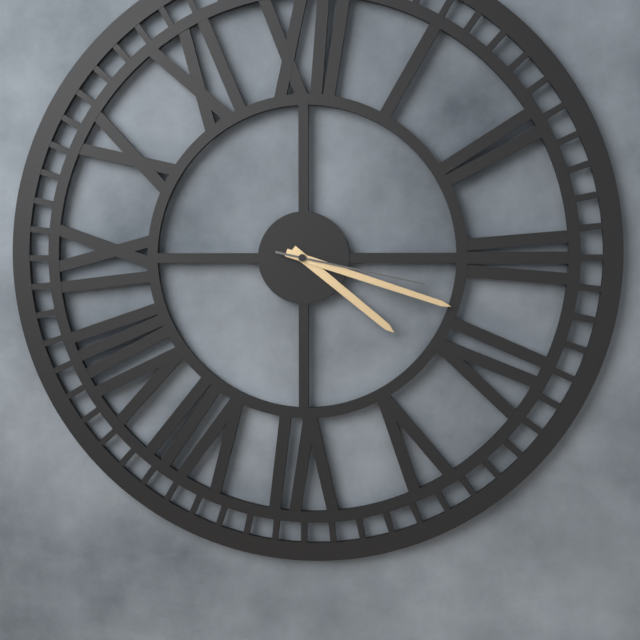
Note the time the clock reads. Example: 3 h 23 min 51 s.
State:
4 h 18 min 17 s
